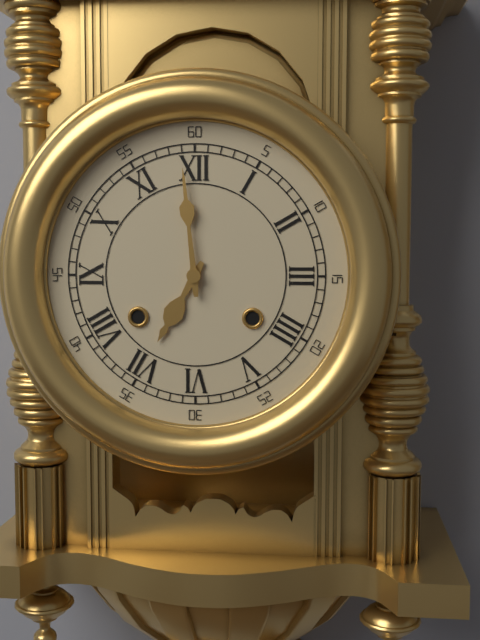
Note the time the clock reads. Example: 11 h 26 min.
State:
6 h 59 min
